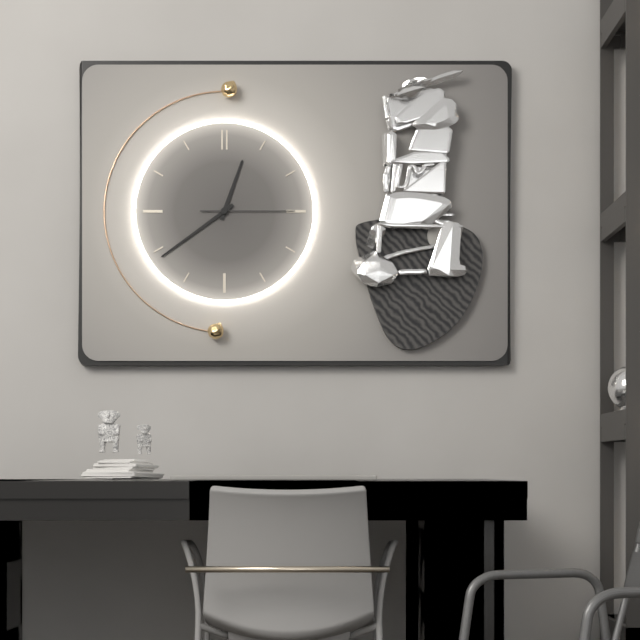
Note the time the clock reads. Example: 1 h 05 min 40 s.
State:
12 h 39 min 15 s
